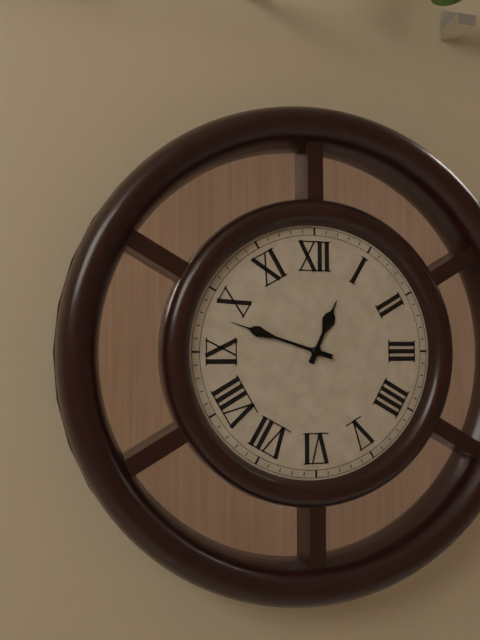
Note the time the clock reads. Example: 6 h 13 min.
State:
12 h 48 min
